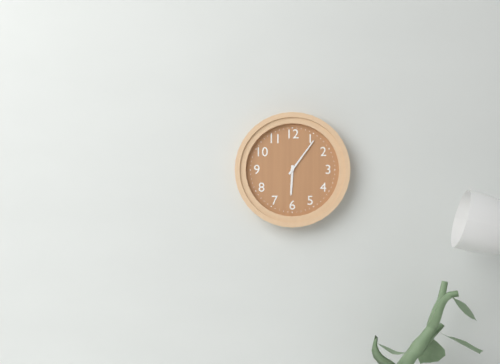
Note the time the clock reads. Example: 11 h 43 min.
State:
6 h 06 min
